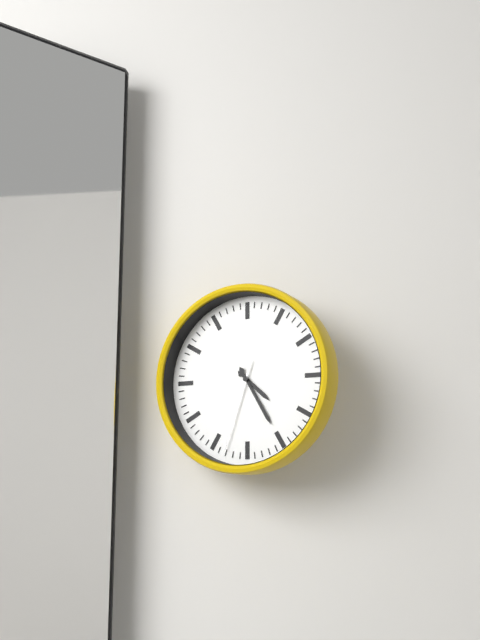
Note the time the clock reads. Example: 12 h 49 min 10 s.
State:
4 h 25 min 33 s
